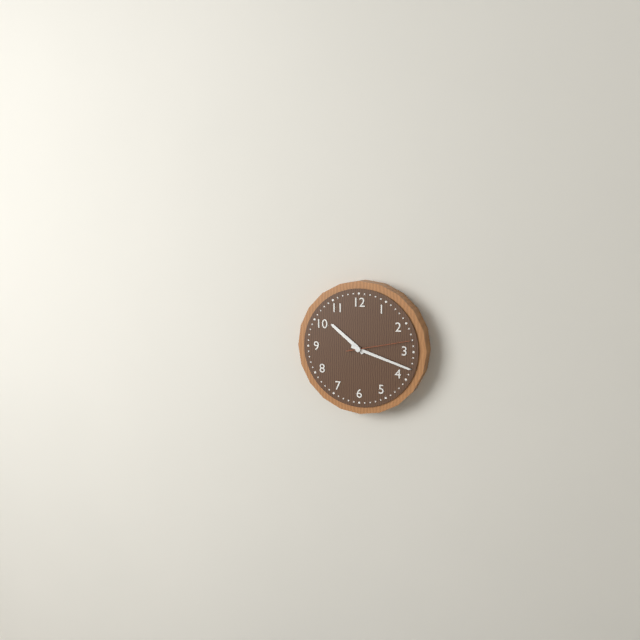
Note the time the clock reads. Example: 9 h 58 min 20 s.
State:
10 h 18 min 13 s
